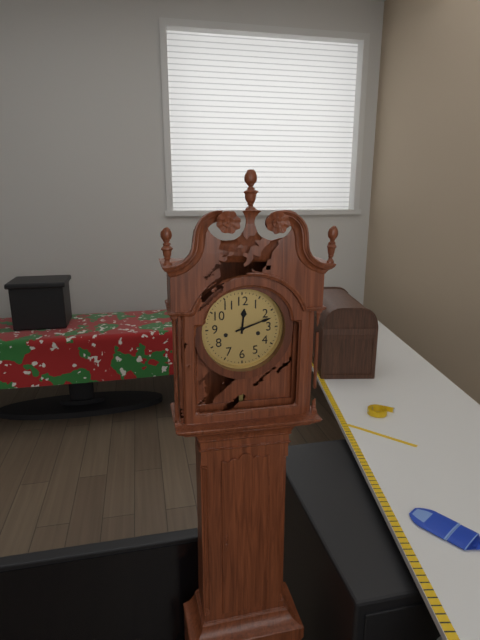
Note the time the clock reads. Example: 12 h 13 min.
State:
12 h 12 min
